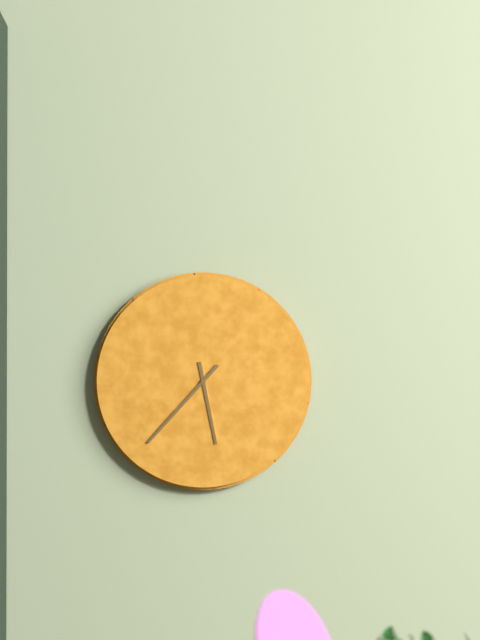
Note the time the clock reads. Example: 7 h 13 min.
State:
5 h 37 min
